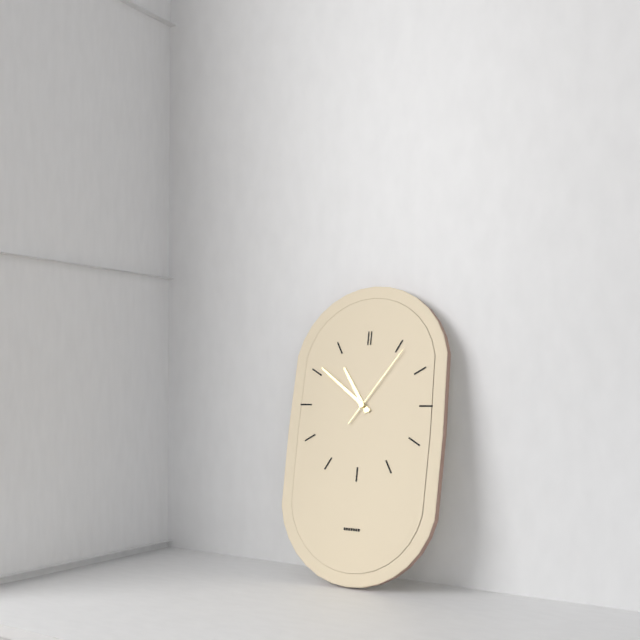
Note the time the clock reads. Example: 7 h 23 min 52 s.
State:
10 h 51 min 06 s
